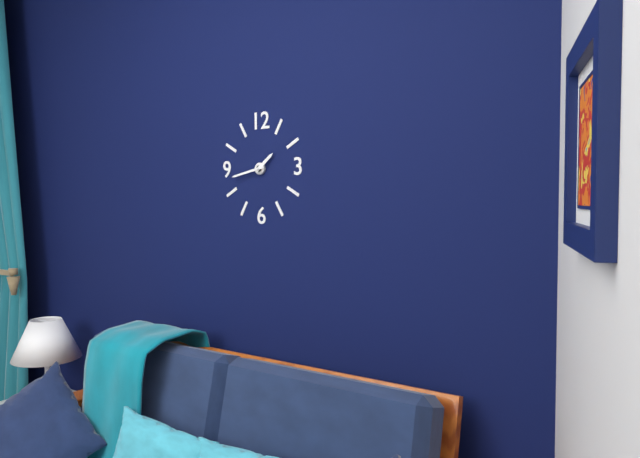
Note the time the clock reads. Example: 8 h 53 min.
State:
1 h 43 min
